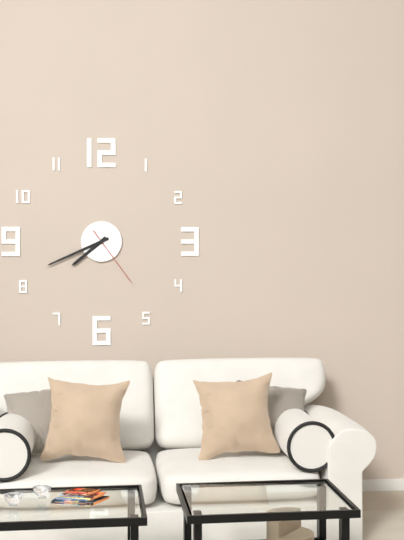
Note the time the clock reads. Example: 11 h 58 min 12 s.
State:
7 h 41 min 24 s
